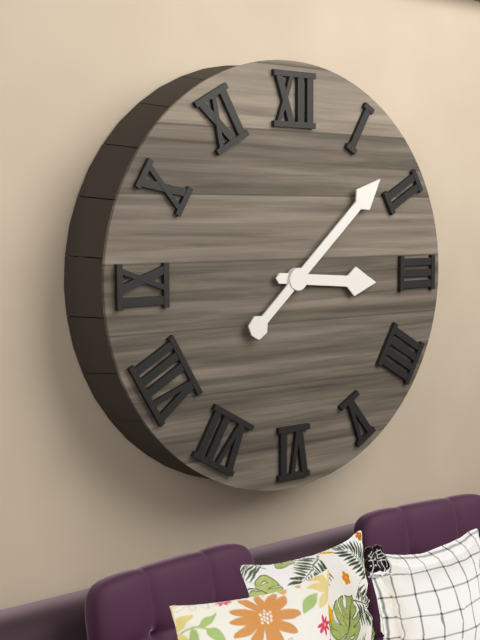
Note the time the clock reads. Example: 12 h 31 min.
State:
3 h 08 min
